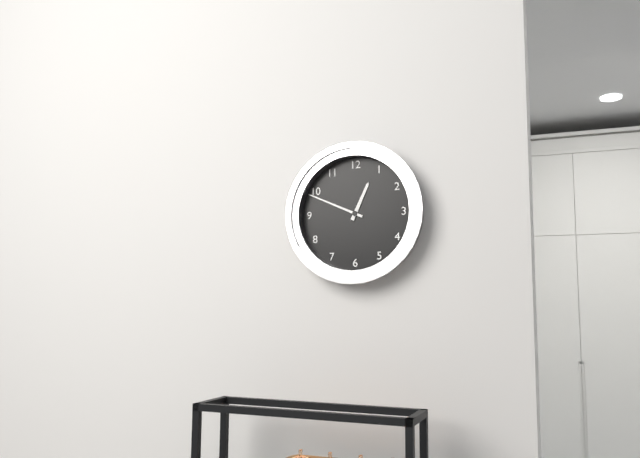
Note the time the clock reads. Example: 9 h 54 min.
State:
12 h 49 min
